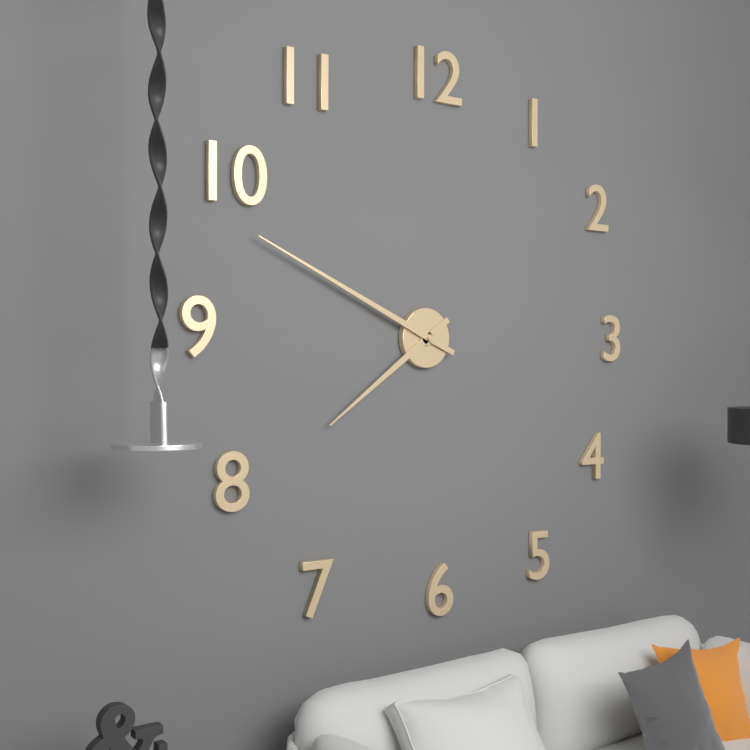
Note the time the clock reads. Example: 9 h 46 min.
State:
7 h 49 min
